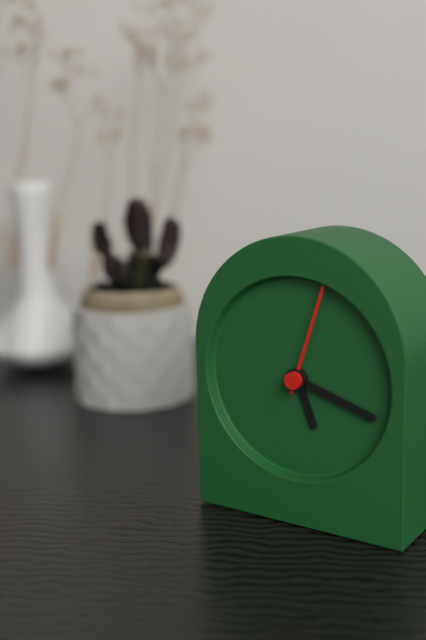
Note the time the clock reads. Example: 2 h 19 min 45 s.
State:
5 h 18 min 03 s
